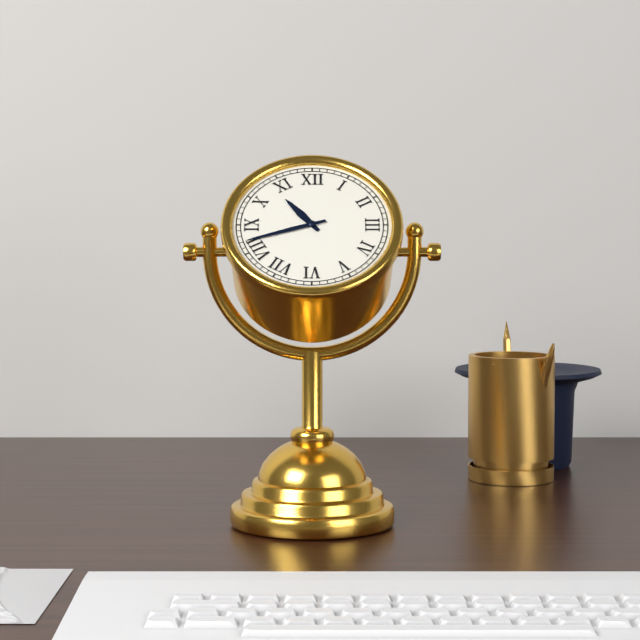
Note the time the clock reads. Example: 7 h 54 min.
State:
10 h 42 min
